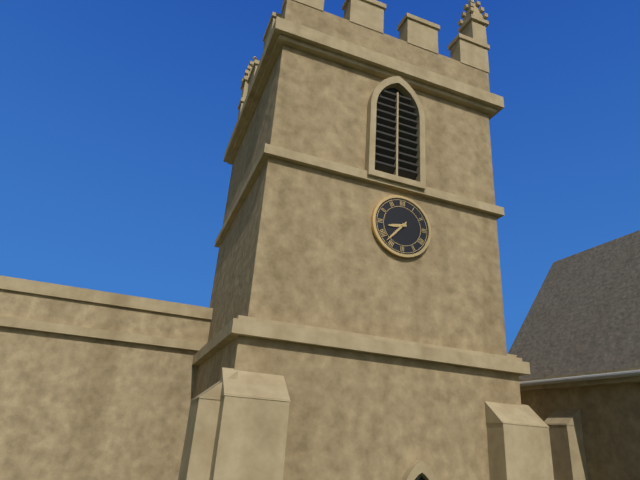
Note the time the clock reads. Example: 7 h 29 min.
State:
8 h 37 min
